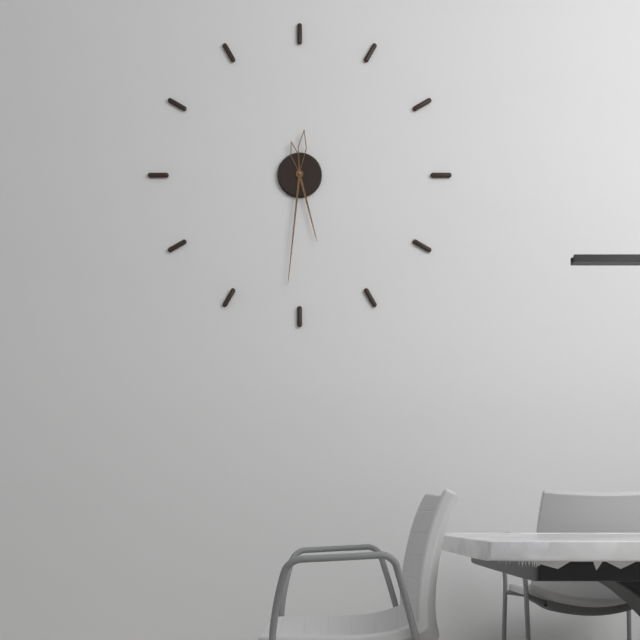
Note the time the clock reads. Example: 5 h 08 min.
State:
5 h 31 min
